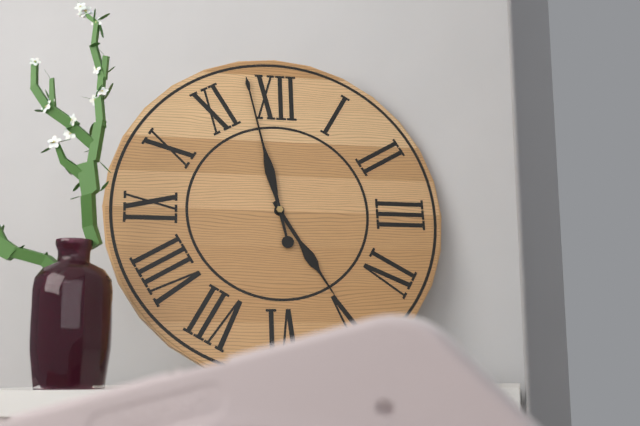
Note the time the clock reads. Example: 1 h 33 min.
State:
4 h 58 min
